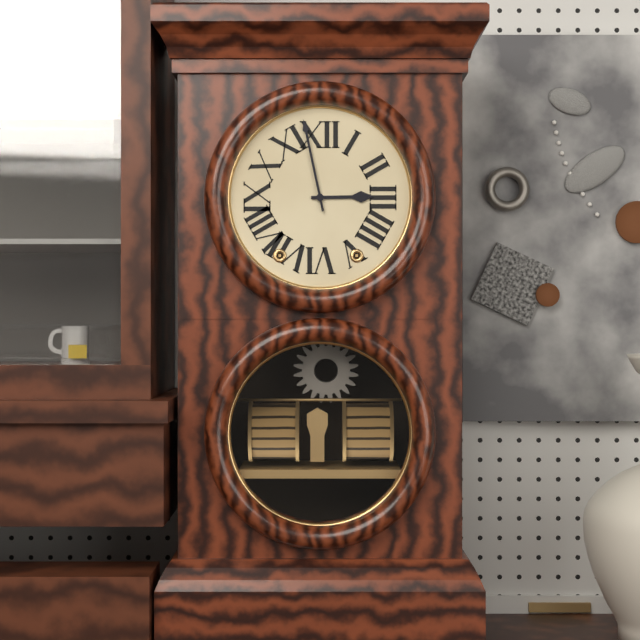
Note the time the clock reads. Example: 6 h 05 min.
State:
2 h 58 min
